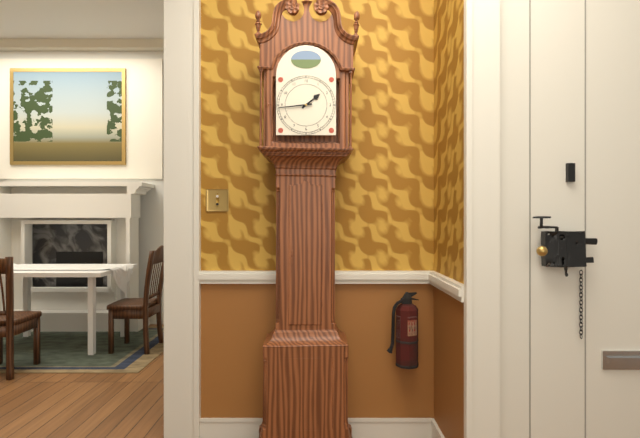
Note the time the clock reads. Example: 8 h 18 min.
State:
1 h 44 min
